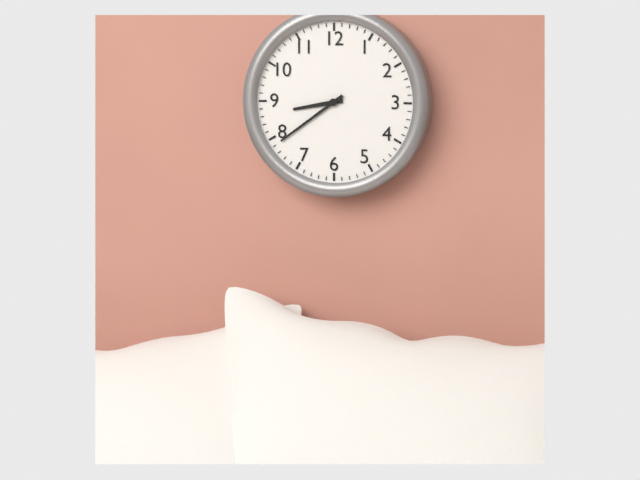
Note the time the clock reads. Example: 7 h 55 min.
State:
8 h 39 min
